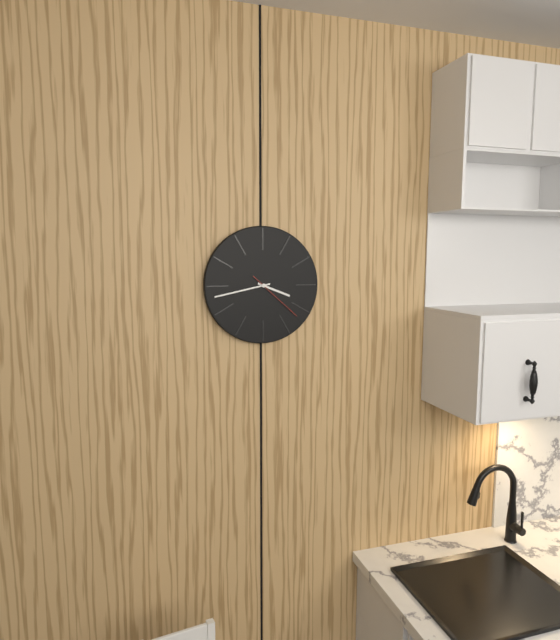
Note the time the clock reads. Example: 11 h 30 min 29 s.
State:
3 h 43 min 22 s
